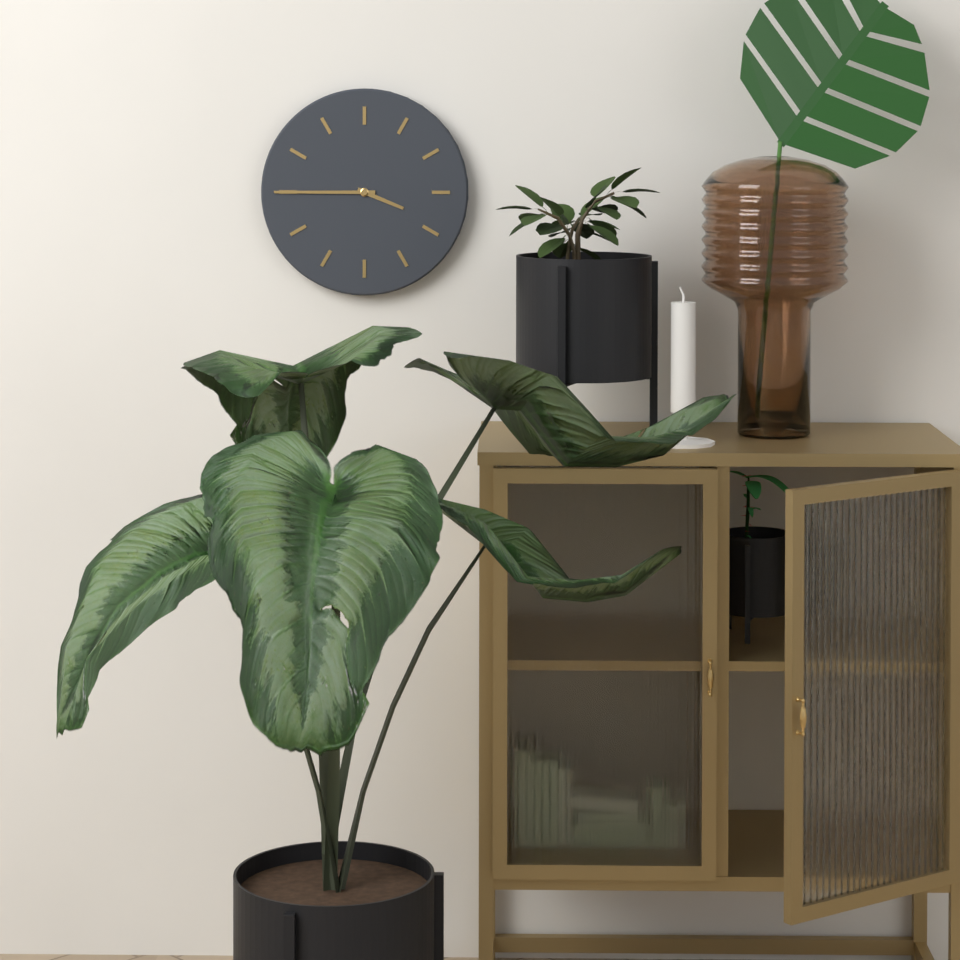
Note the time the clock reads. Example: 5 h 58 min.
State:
3 h 45 min
